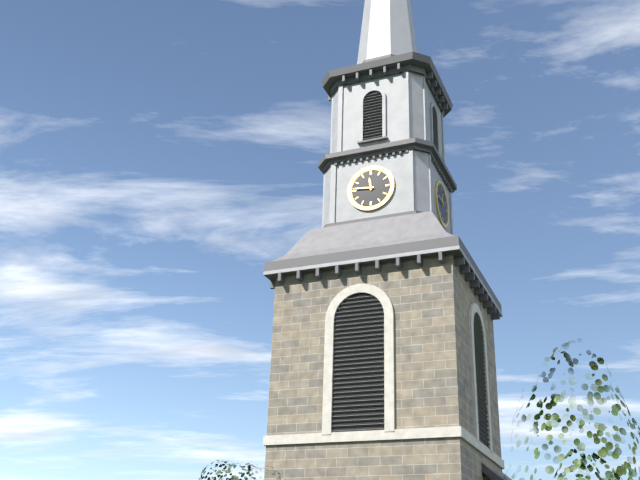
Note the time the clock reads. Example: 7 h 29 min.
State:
11 h 46 min
